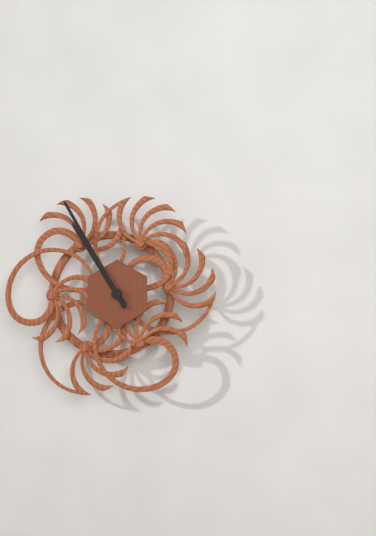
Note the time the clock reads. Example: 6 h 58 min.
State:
10 h 55 min
